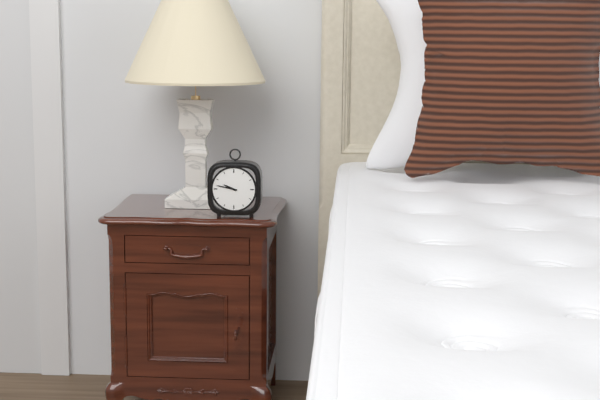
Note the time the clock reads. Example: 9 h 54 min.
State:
9 h 47 min
